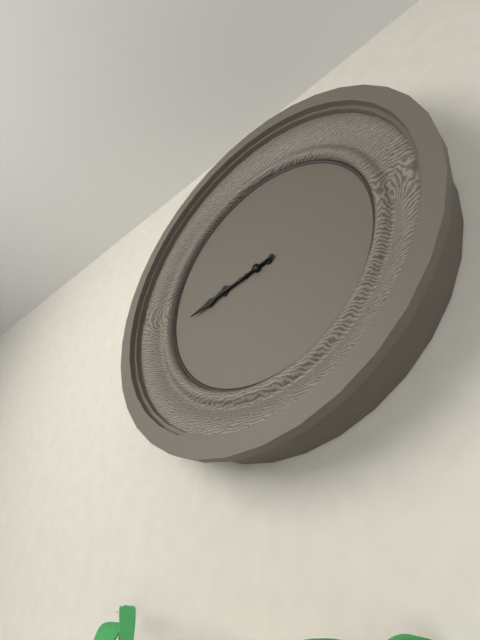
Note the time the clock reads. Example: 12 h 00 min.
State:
8 h 43 min
